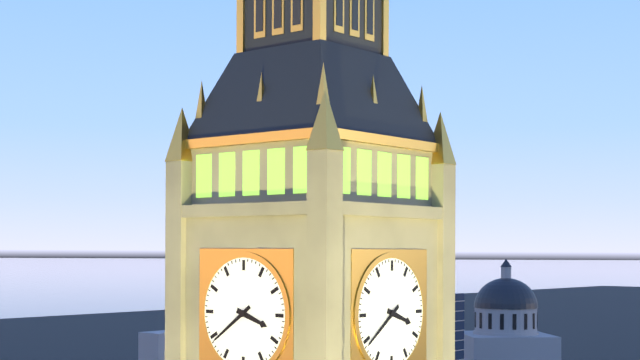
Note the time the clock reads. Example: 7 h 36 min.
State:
3 h 39 min
